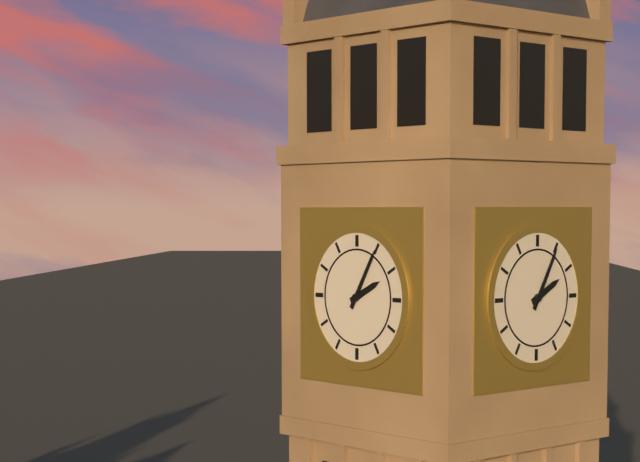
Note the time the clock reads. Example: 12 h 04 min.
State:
2 h 05 min
